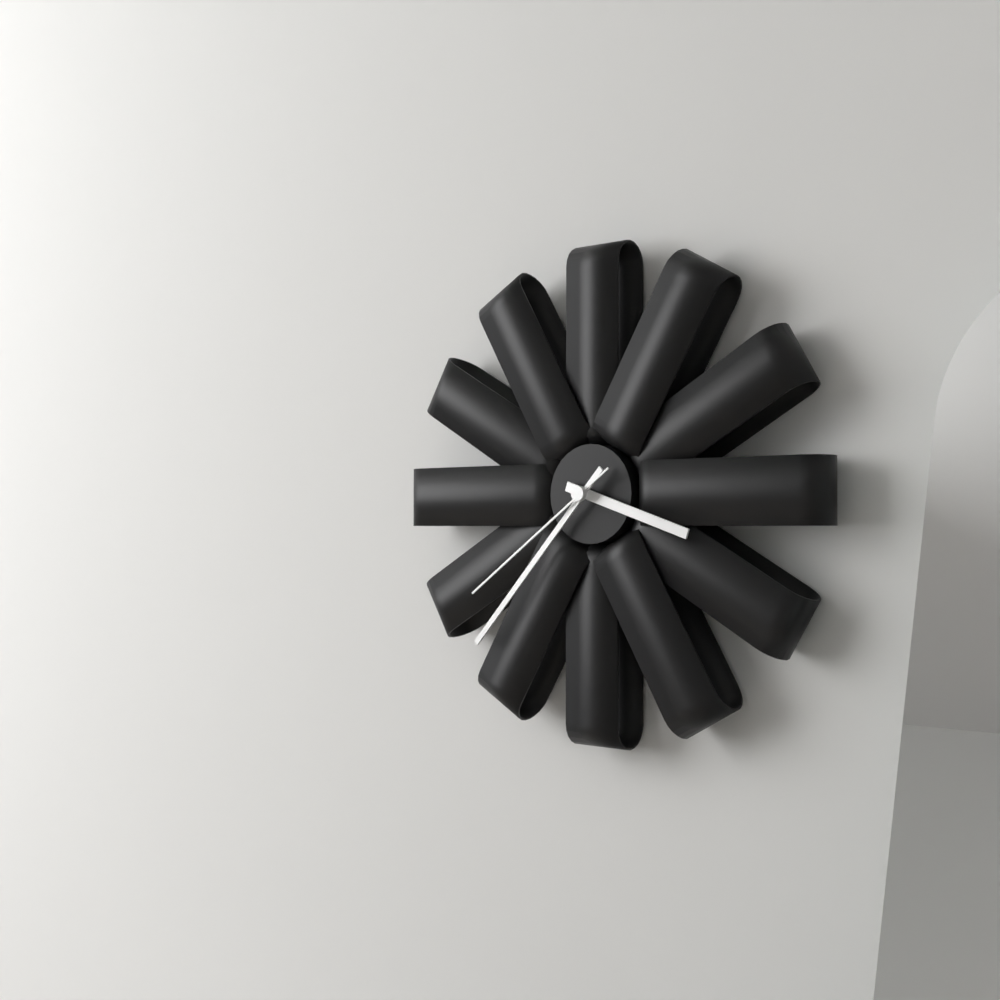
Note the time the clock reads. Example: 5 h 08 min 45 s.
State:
3 h 37 min 39 s
